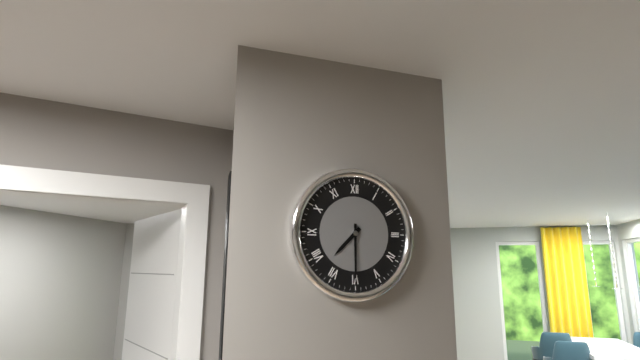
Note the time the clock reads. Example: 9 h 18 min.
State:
7 h 30 min
